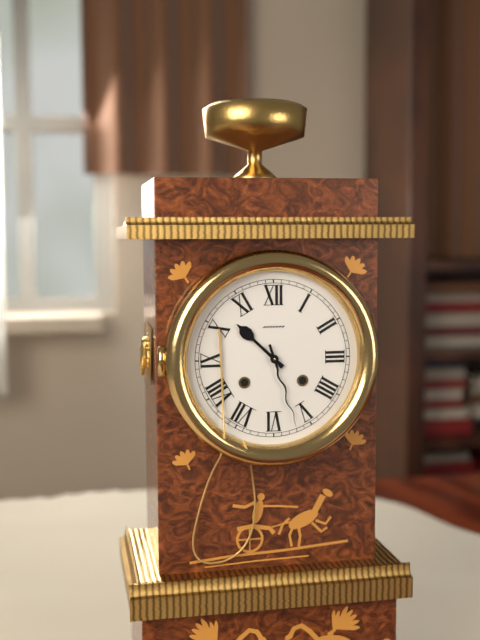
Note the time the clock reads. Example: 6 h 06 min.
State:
10 h 27 min
